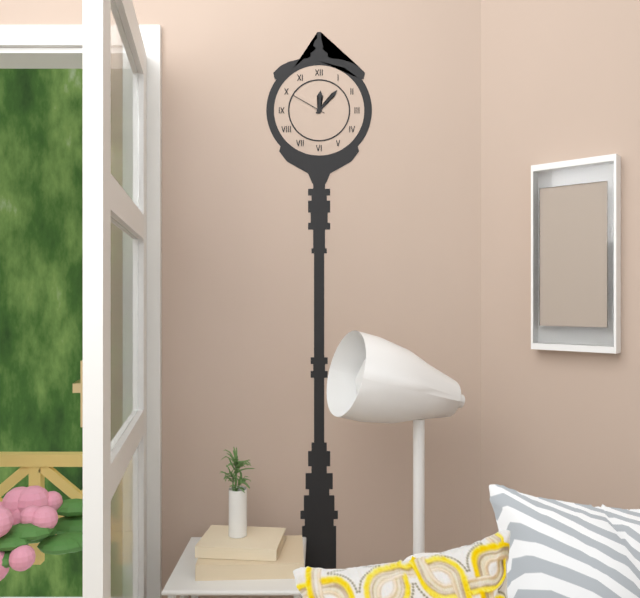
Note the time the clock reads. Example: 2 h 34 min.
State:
12 h 07 min
